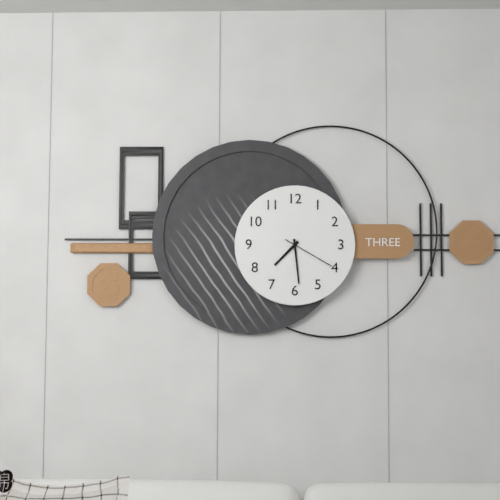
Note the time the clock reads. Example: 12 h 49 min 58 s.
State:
7 h 29 min 20 s
